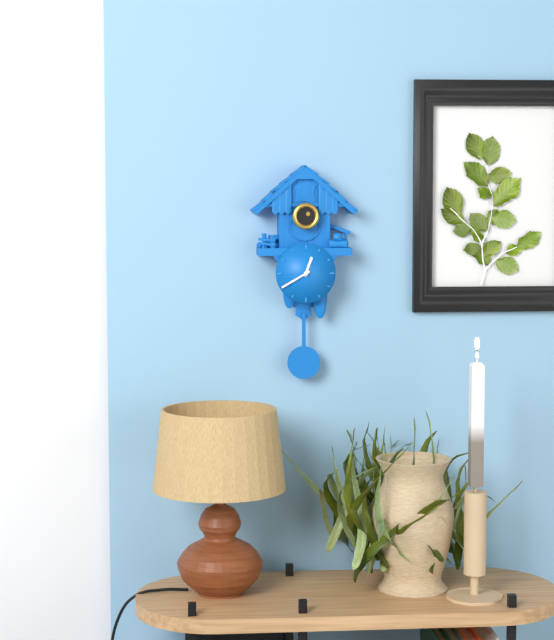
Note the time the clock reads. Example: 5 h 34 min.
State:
12 h 40 min
